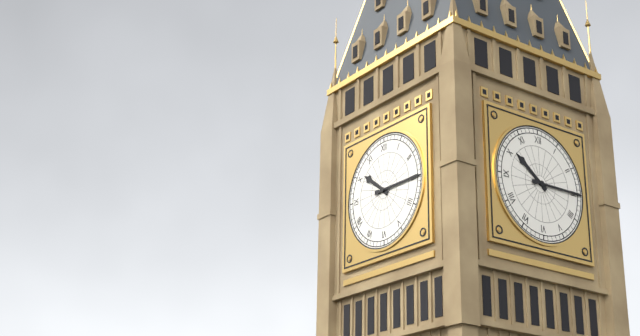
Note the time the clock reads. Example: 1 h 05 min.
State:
10 h 15 min
